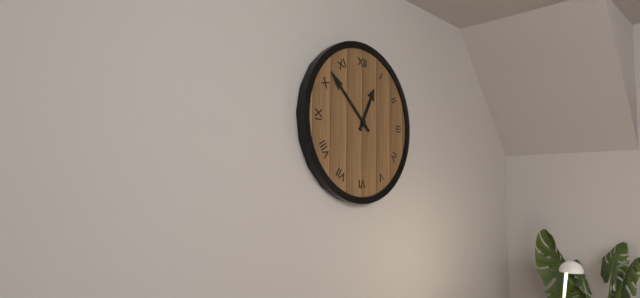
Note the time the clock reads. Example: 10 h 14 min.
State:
12 h 52 min
